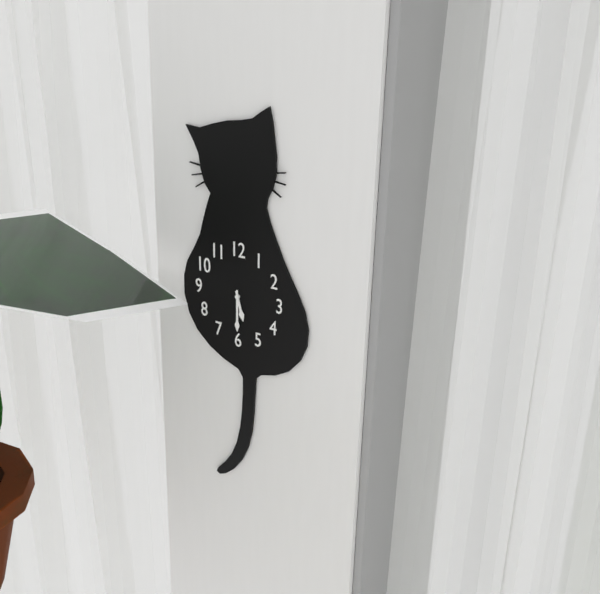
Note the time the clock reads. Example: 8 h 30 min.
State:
5 h 30 min
